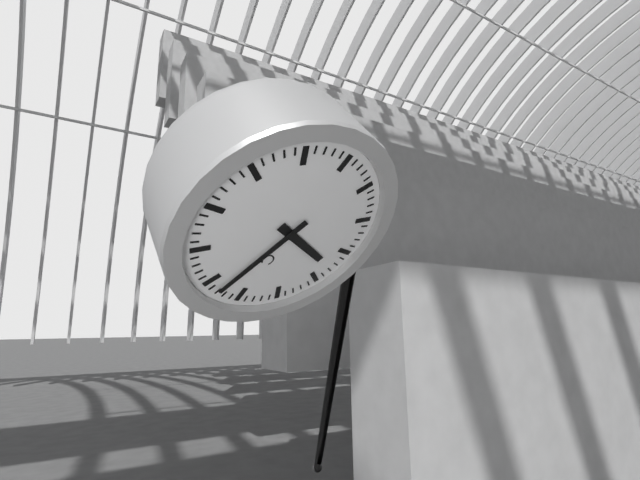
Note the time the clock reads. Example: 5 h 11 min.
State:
3 h 33 min
